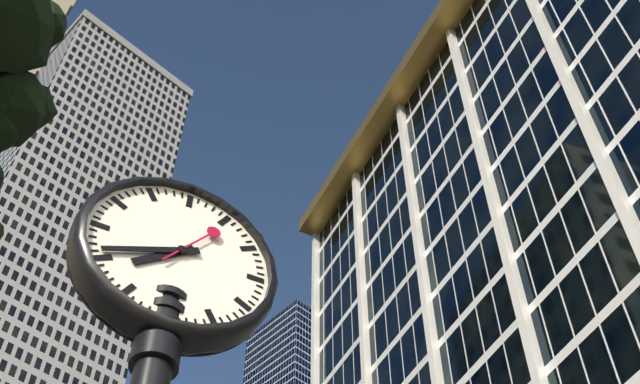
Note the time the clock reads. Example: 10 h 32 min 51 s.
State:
7 h 41 min 06 s
